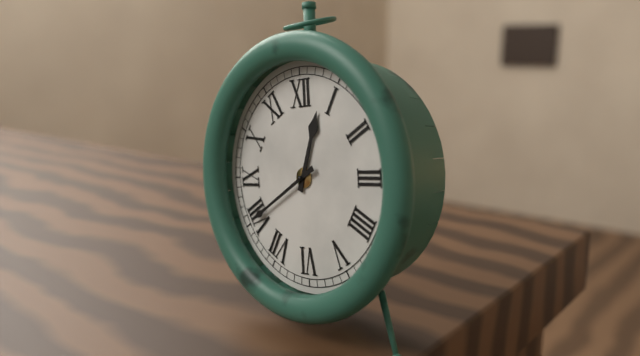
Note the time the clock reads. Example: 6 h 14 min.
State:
12 h 40 min
